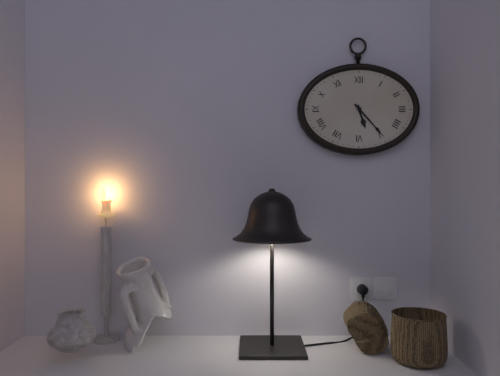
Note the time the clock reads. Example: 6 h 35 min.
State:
5 h 23 min
